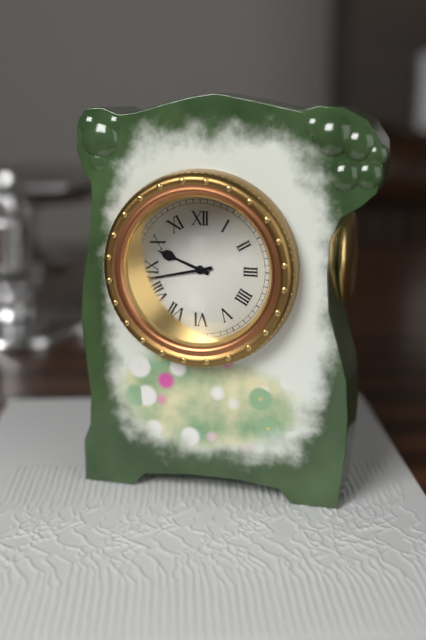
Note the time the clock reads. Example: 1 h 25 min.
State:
9 h 43 min
